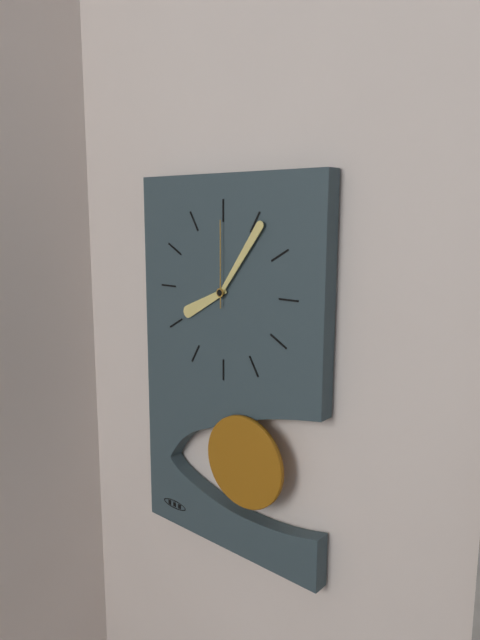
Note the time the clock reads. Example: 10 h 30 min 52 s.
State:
8 h 06 min 00 s
